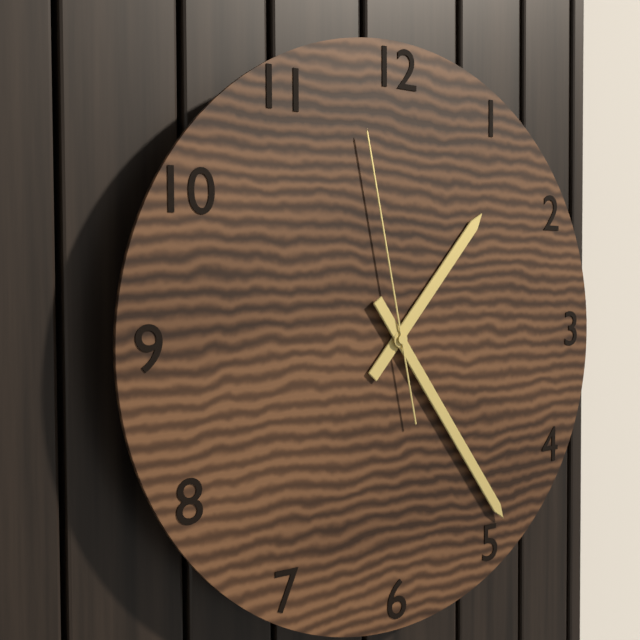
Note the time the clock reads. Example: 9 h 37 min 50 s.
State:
1 h 24 min 58 s
